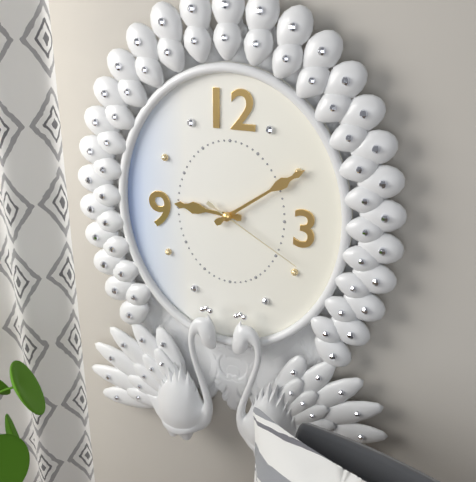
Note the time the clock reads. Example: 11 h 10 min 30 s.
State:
9 h 09 min 20 s
